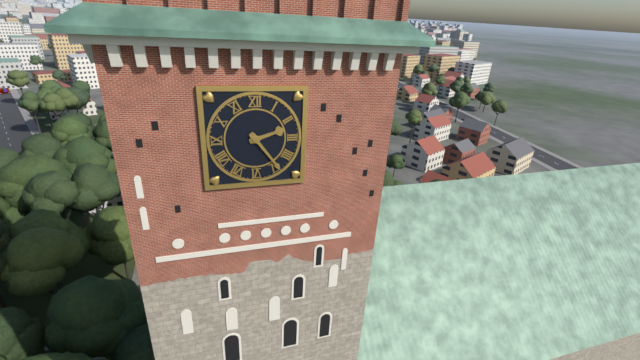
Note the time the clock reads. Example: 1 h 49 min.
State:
2 h 24 min
